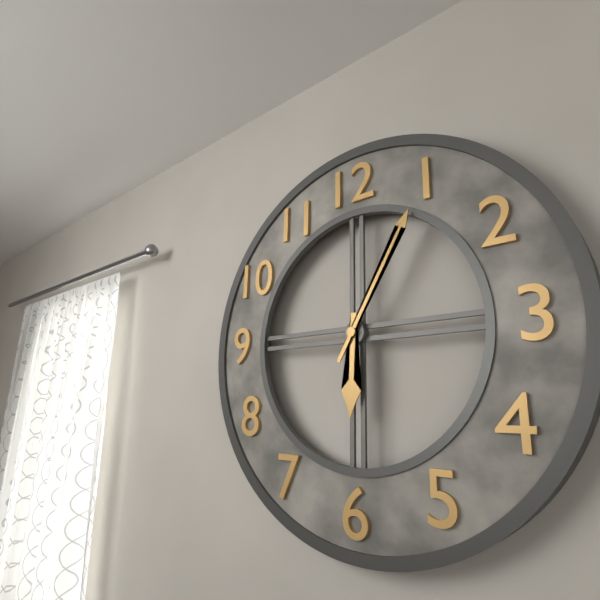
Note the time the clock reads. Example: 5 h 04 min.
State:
6 h 05 min
